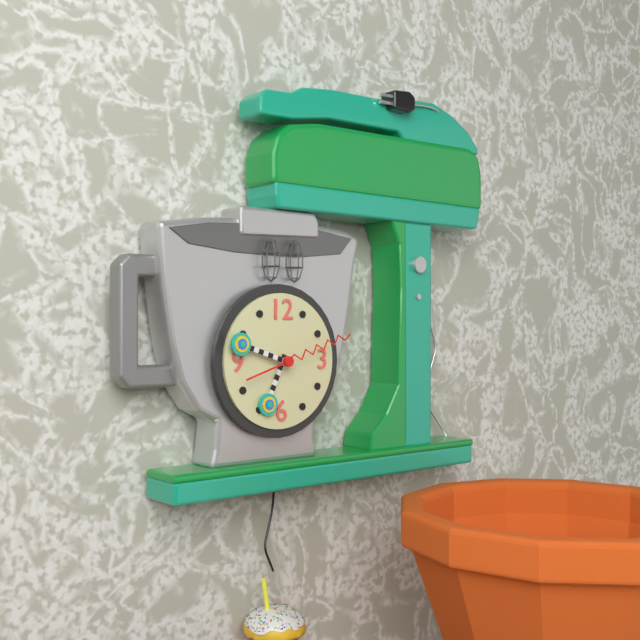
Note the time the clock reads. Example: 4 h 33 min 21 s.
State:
6 h 48 min 12 s
